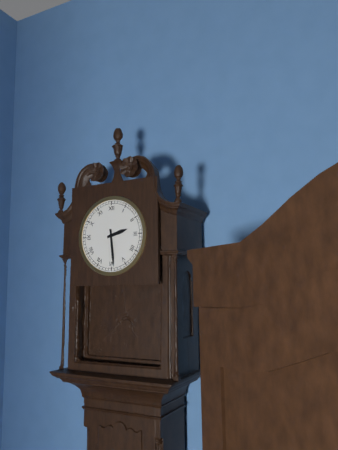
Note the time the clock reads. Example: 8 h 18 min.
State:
2 h 29 min
